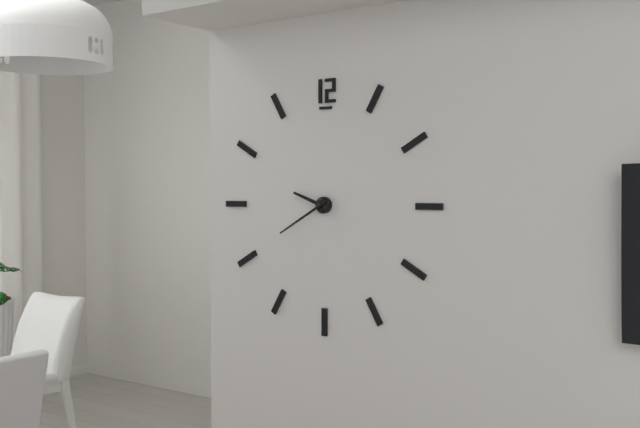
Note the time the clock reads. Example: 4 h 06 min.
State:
9 h 40 min
